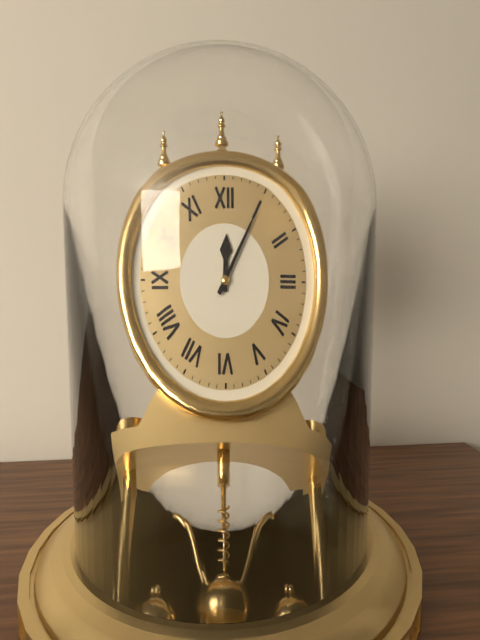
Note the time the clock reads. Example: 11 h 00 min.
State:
12 h 05 min
